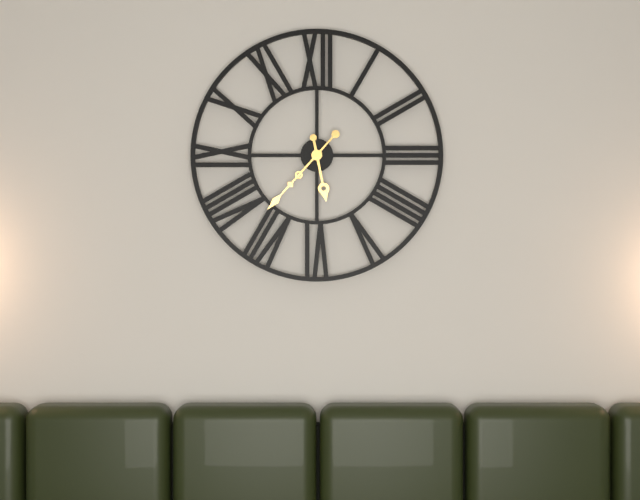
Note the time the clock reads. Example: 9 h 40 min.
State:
5 h 37 min
